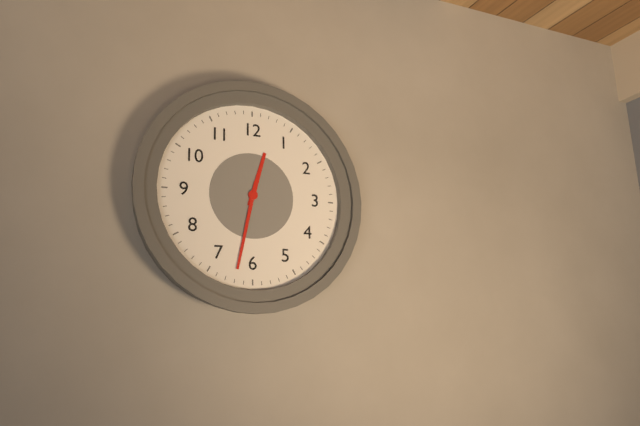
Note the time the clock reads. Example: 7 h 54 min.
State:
12 h 32 min
